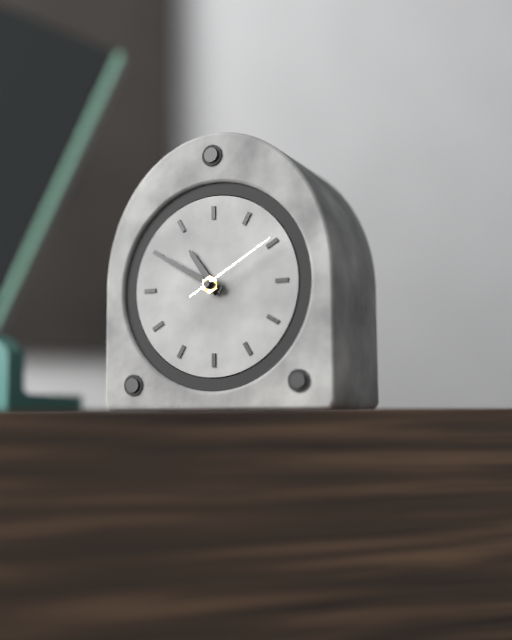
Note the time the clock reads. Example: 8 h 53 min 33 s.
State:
10 h 50 min 10 s
